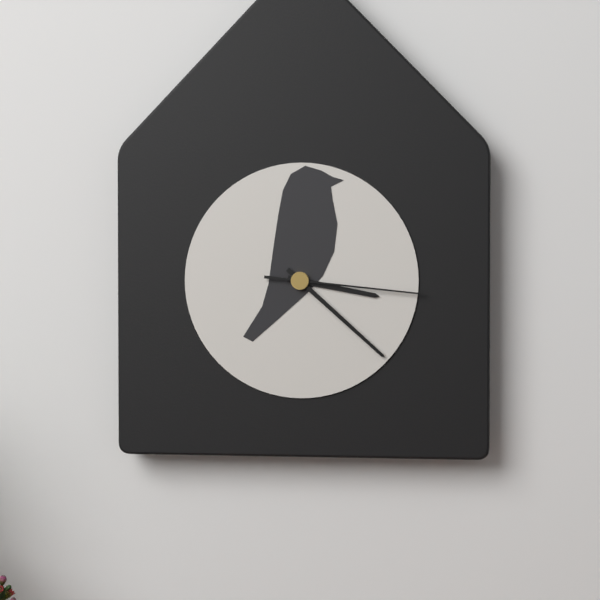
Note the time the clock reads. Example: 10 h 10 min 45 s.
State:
3 h 22 min 16 s
